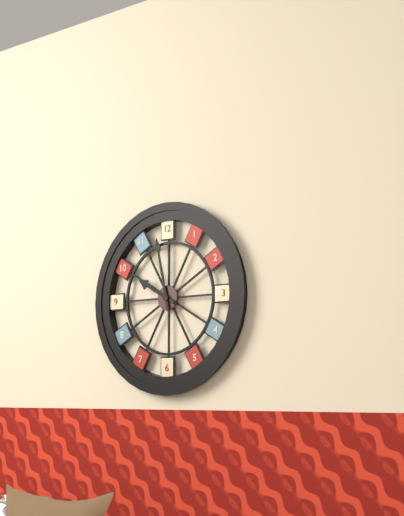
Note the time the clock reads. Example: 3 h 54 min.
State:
9 h 58 min
